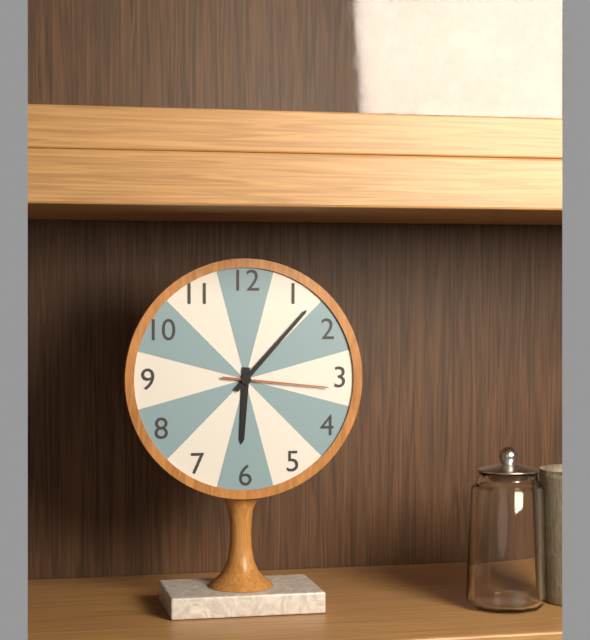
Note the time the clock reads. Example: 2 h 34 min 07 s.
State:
6 h 07 min 16 s
